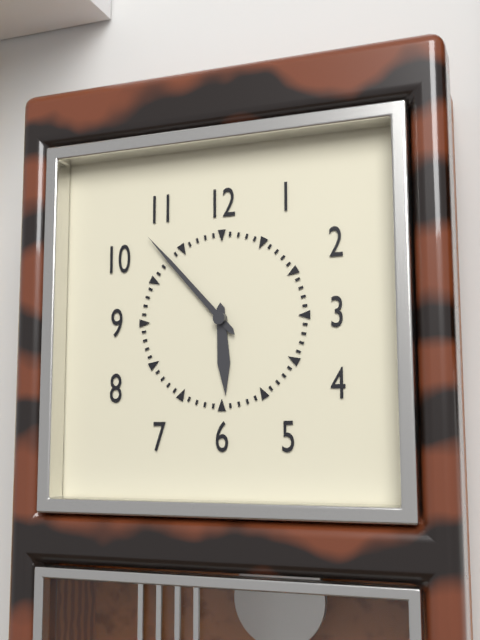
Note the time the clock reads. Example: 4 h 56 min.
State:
5 h 53 min
